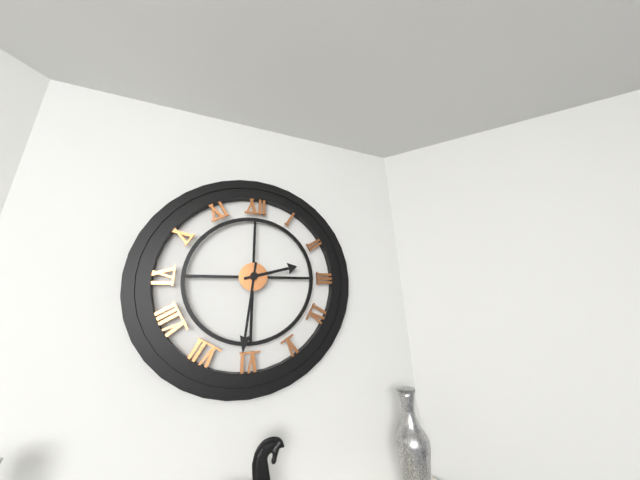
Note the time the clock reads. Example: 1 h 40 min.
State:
2 h 31 min
